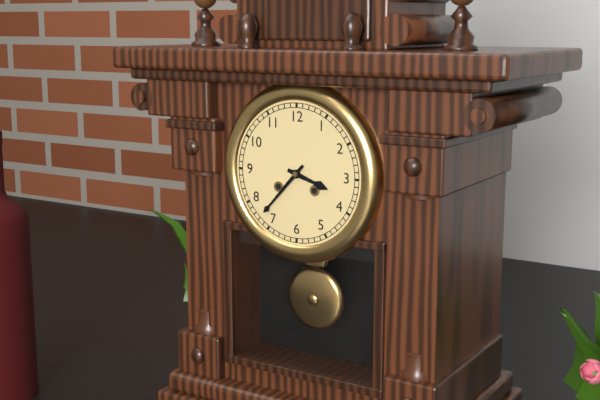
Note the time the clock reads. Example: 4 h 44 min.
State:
3 h 37 min
